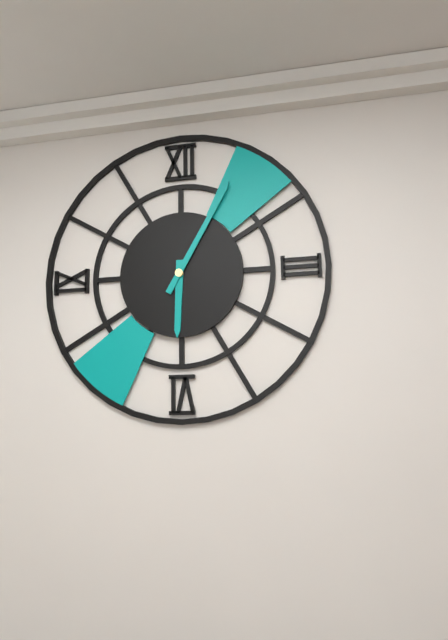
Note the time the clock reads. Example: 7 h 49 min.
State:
6 h 05 min
